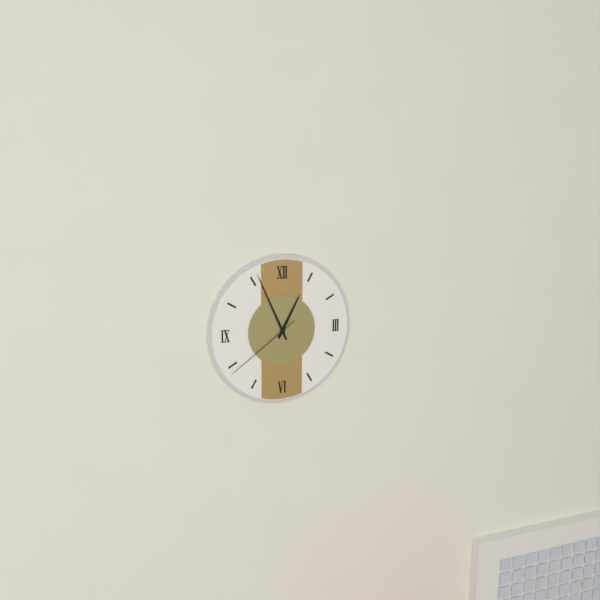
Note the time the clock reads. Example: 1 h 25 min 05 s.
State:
12 h 56 min 39 s
